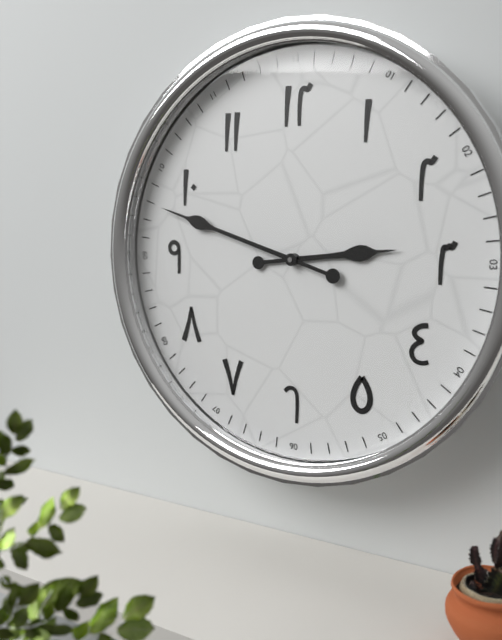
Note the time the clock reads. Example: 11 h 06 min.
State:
2 h 48 min
